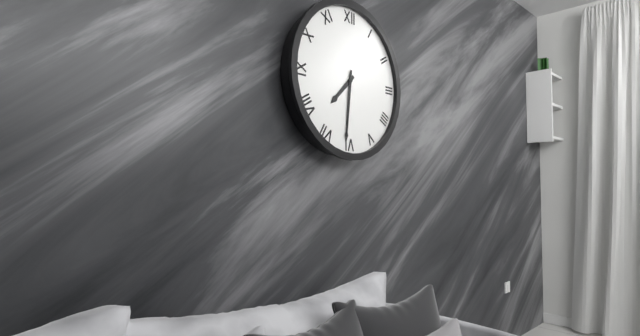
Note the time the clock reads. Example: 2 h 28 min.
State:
7 h 31 min
